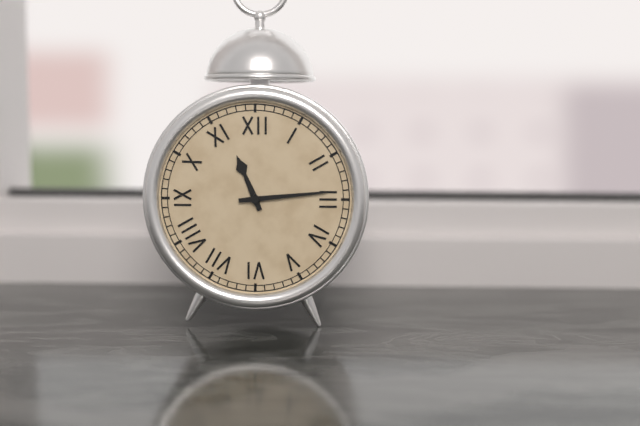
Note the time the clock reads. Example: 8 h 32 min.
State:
11 h 14 min
